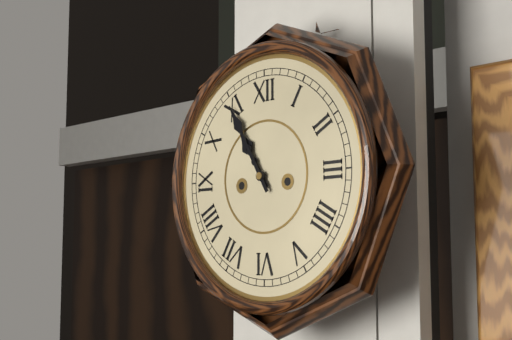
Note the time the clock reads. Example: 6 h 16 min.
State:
10 h 55 min
